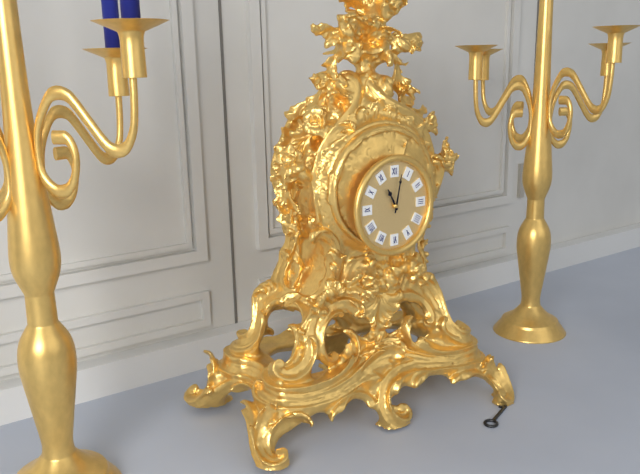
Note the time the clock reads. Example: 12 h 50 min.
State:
11 h 02 min
